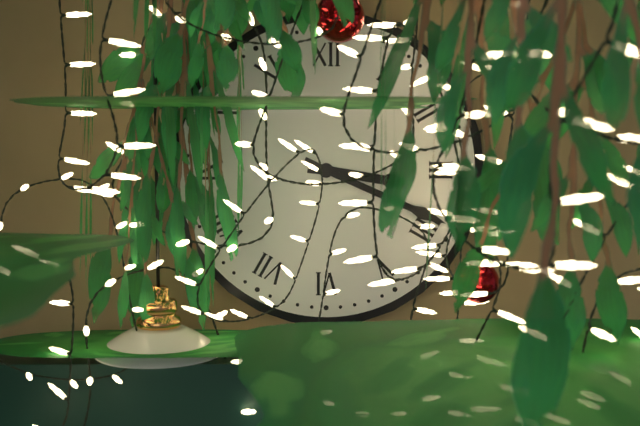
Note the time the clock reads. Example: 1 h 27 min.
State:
3 h 19 min
